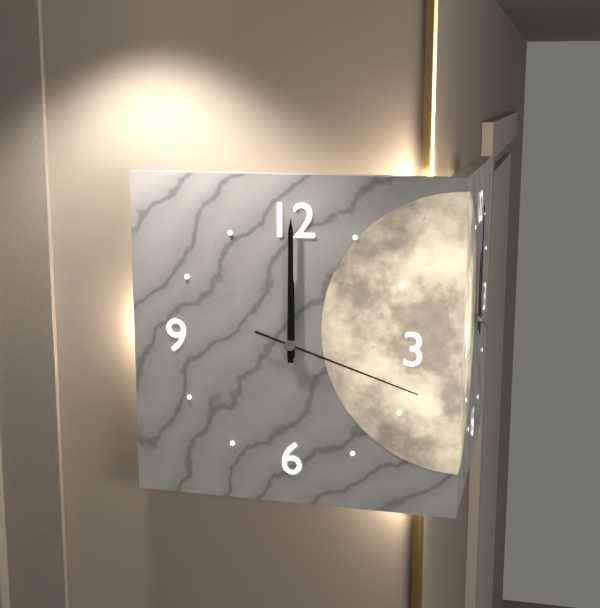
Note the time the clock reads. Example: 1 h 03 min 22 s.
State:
12 h 00 min 18 s
